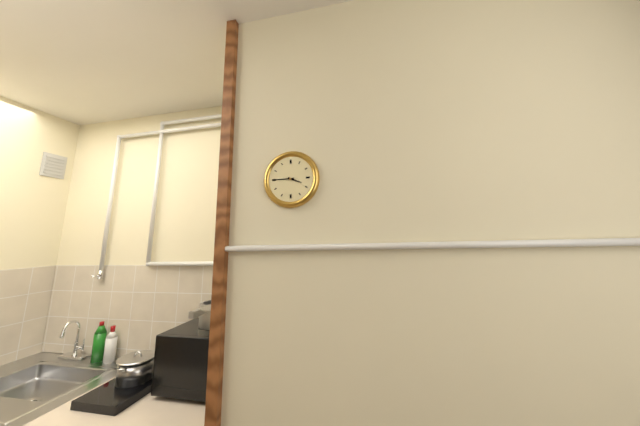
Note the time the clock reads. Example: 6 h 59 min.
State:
3 h 45 min
